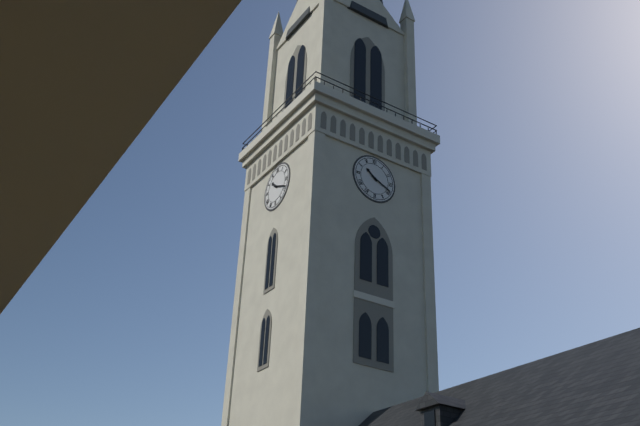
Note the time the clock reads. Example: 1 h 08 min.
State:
10 h 19 min
